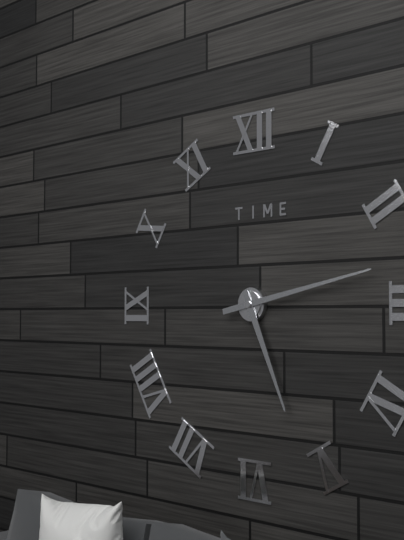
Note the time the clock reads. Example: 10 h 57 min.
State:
5 h 13 min
